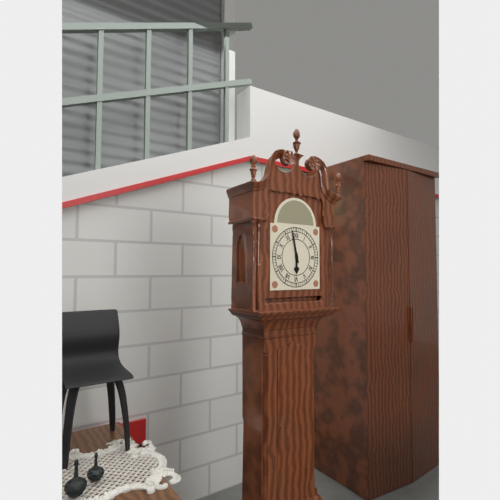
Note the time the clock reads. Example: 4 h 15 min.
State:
5 h 58 min
